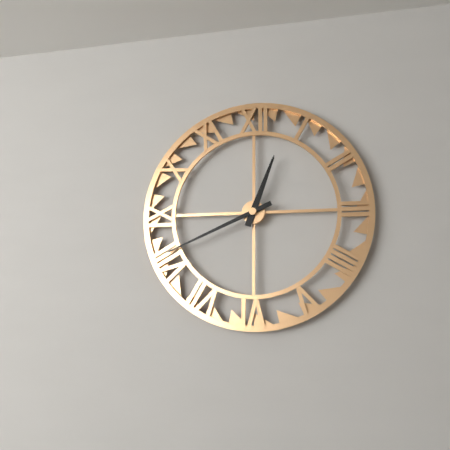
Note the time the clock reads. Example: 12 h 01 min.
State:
12 h 41 min
